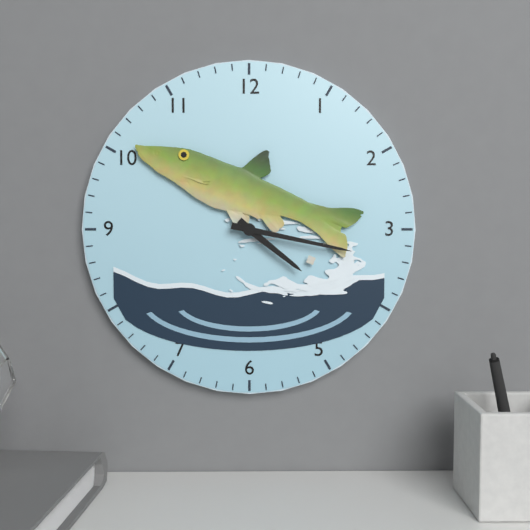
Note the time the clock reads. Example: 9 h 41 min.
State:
4 h 17 min
